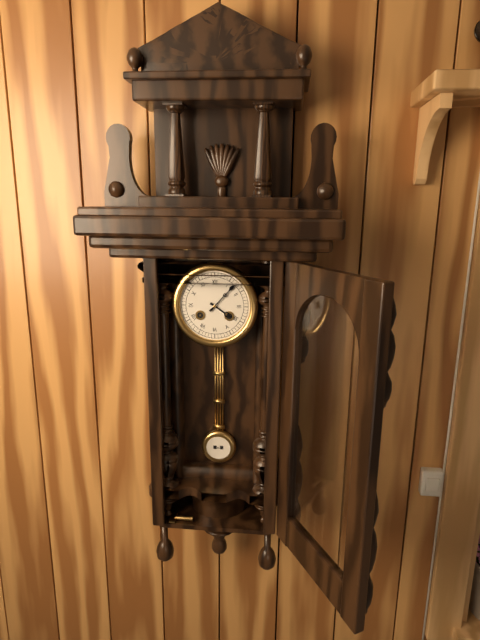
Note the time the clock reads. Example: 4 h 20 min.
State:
4 h 07 min
